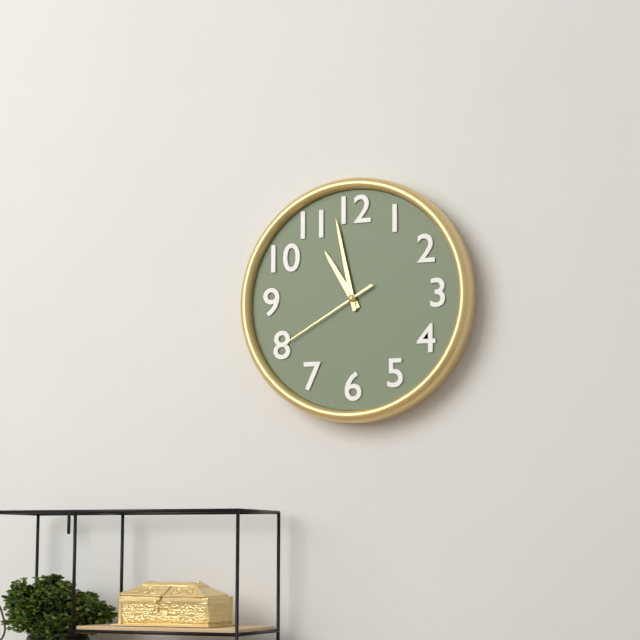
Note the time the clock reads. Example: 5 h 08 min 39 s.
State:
10 h 58 min 40 s
